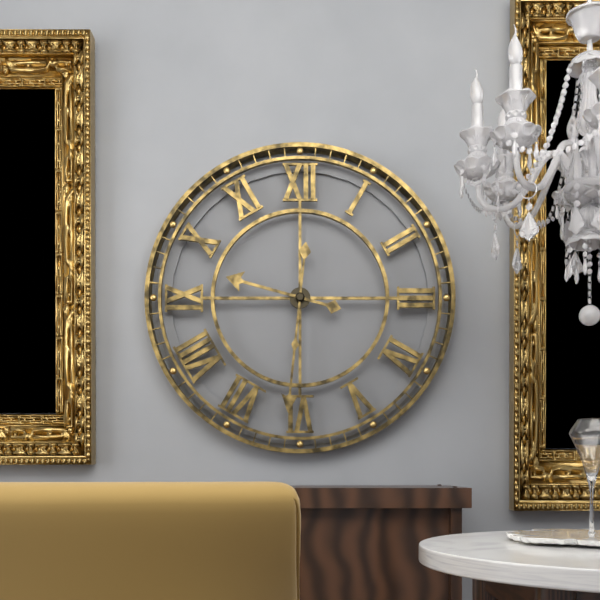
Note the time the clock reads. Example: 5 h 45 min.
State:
9 h 31 min
